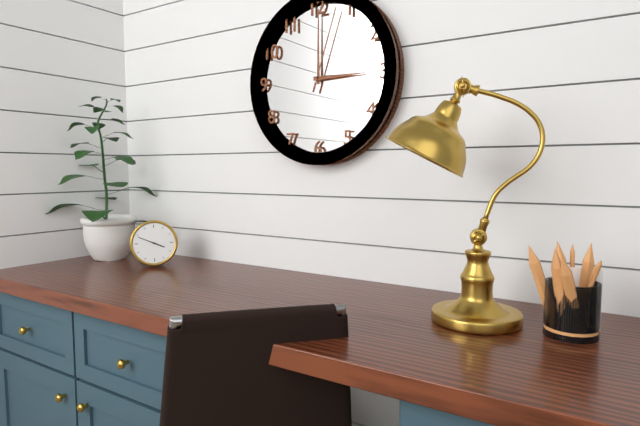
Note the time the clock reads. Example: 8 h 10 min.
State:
3 h 49 min
